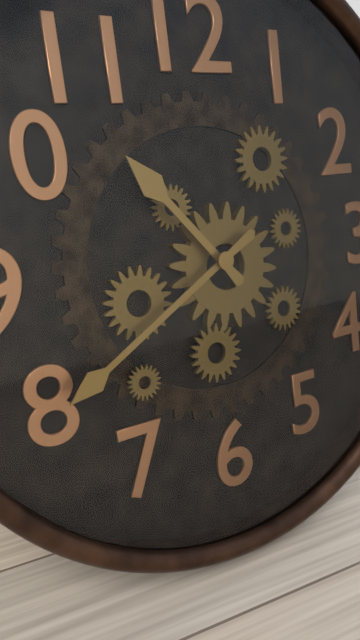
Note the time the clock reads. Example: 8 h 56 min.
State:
10 h 40 min
